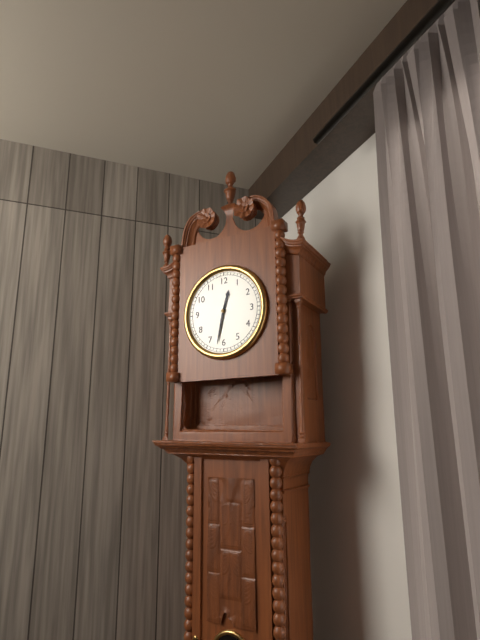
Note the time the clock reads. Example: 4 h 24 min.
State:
12 h 32 min
